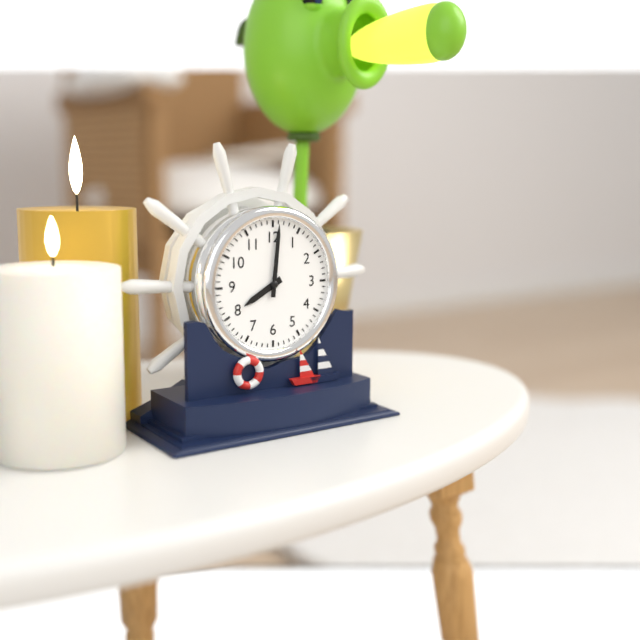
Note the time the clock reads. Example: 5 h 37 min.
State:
8 h 01 min
